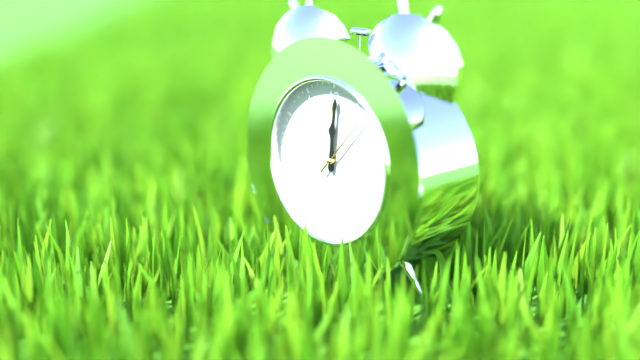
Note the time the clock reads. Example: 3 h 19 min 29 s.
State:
12 h 01 min 07 s
